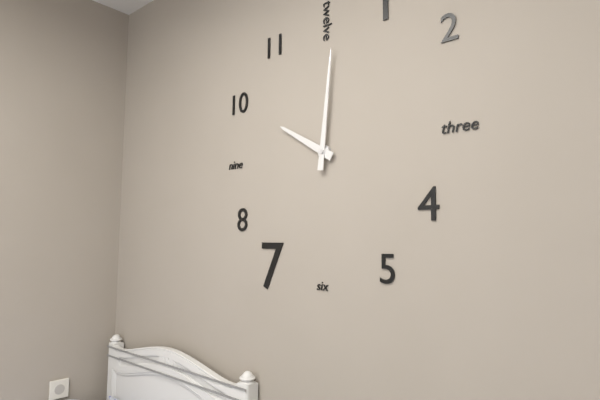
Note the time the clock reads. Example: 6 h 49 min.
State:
10 h 01 min
